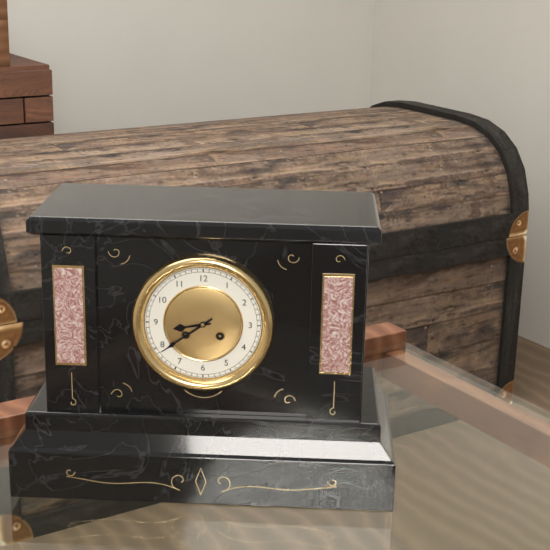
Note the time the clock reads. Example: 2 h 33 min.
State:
8 h 39 min
